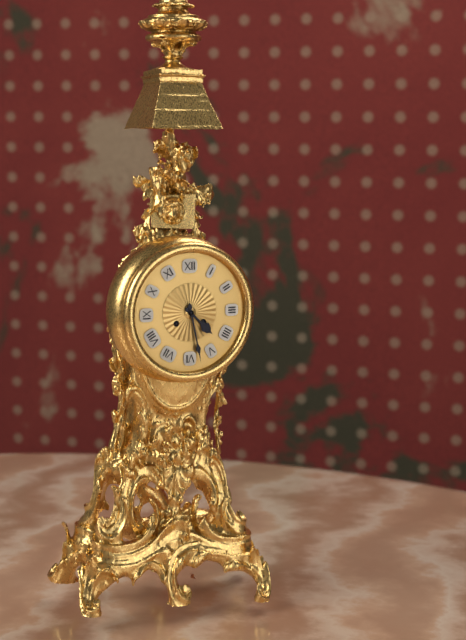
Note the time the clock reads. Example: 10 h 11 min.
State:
4 h 28 min
